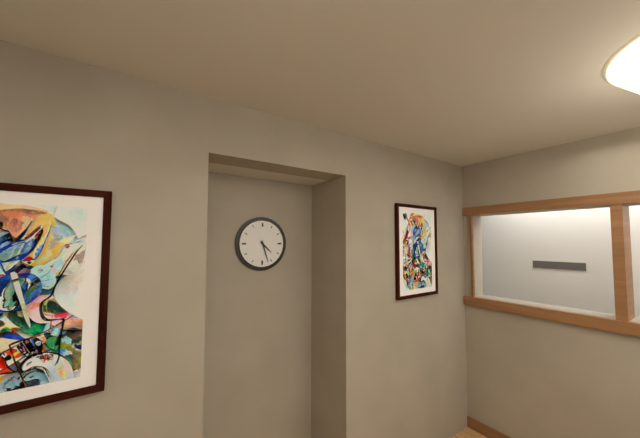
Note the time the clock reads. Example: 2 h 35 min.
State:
4 h 27 min
